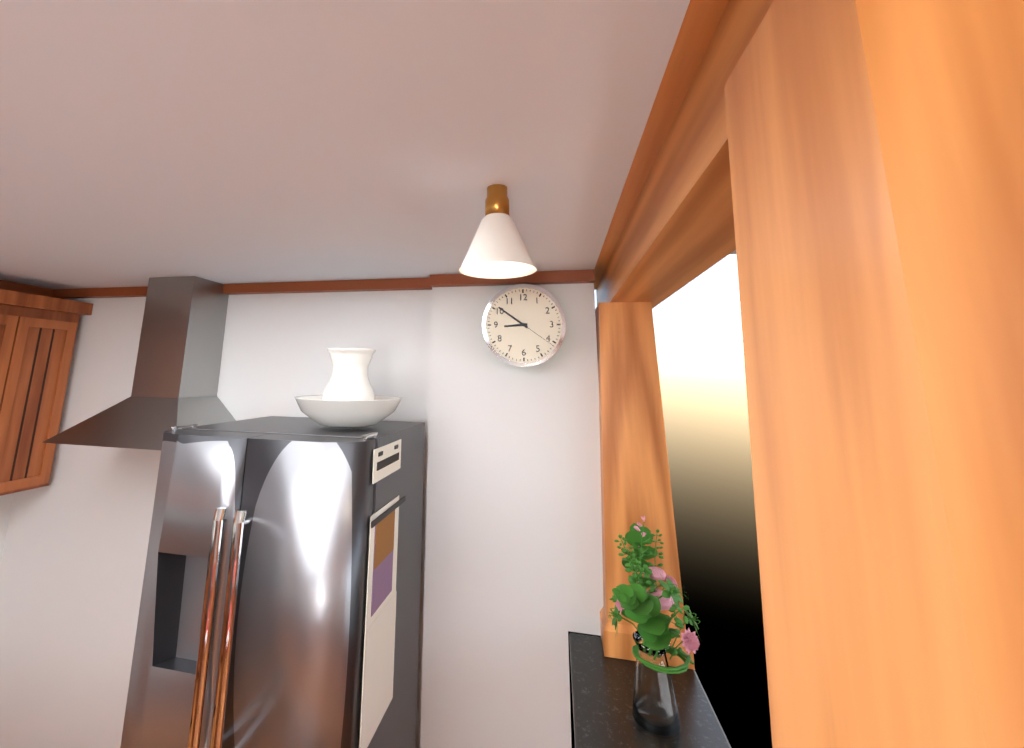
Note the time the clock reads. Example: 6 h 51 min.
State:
8 h 51 min
